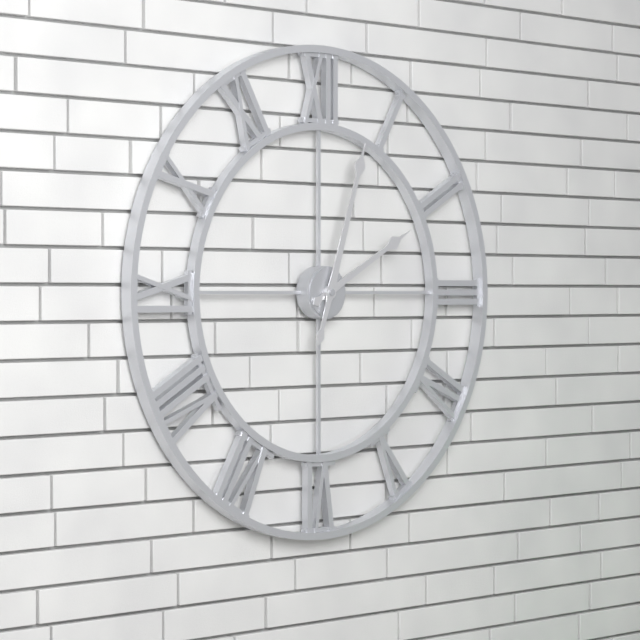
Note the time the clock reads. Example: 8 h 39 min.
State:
2 h 03 min
